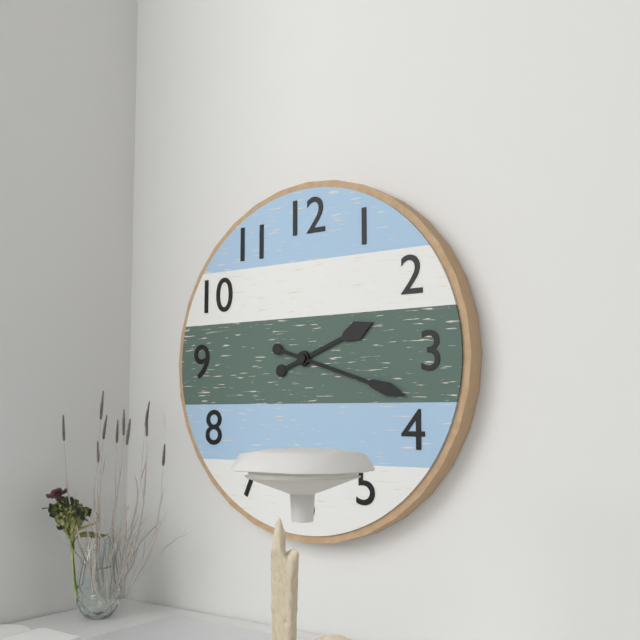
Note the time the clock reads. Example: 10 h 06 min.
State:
2 h 18 min
